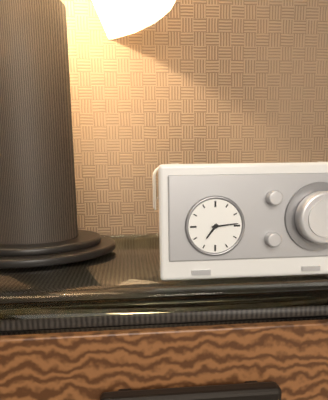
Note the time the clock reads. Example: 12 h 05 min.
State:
7 h 14 min
